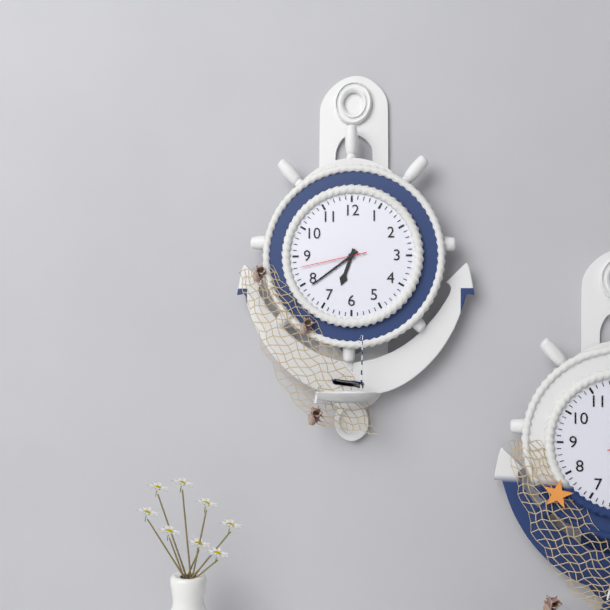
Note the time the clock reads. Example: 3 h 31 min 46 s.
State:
6 h 39 min 43 s
